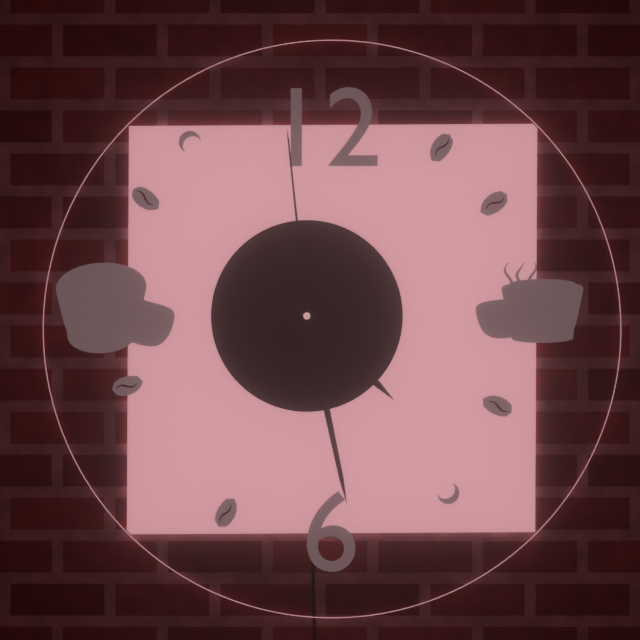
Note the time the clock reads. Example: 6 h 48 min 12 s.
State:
4 h 28 min 59 s
